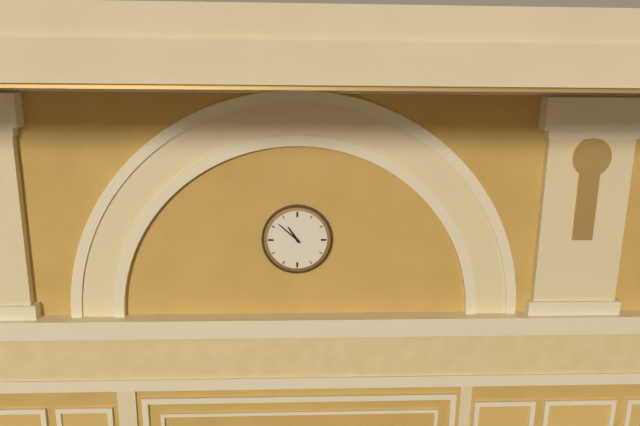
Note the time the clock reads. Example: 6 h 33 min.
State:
10 h 52 min
